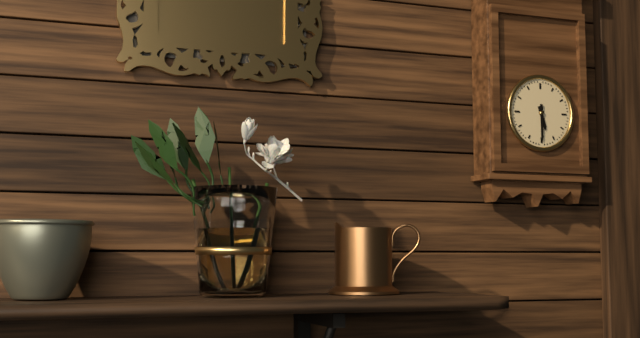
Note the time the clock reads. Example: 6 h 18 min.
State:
5 h 30 min
